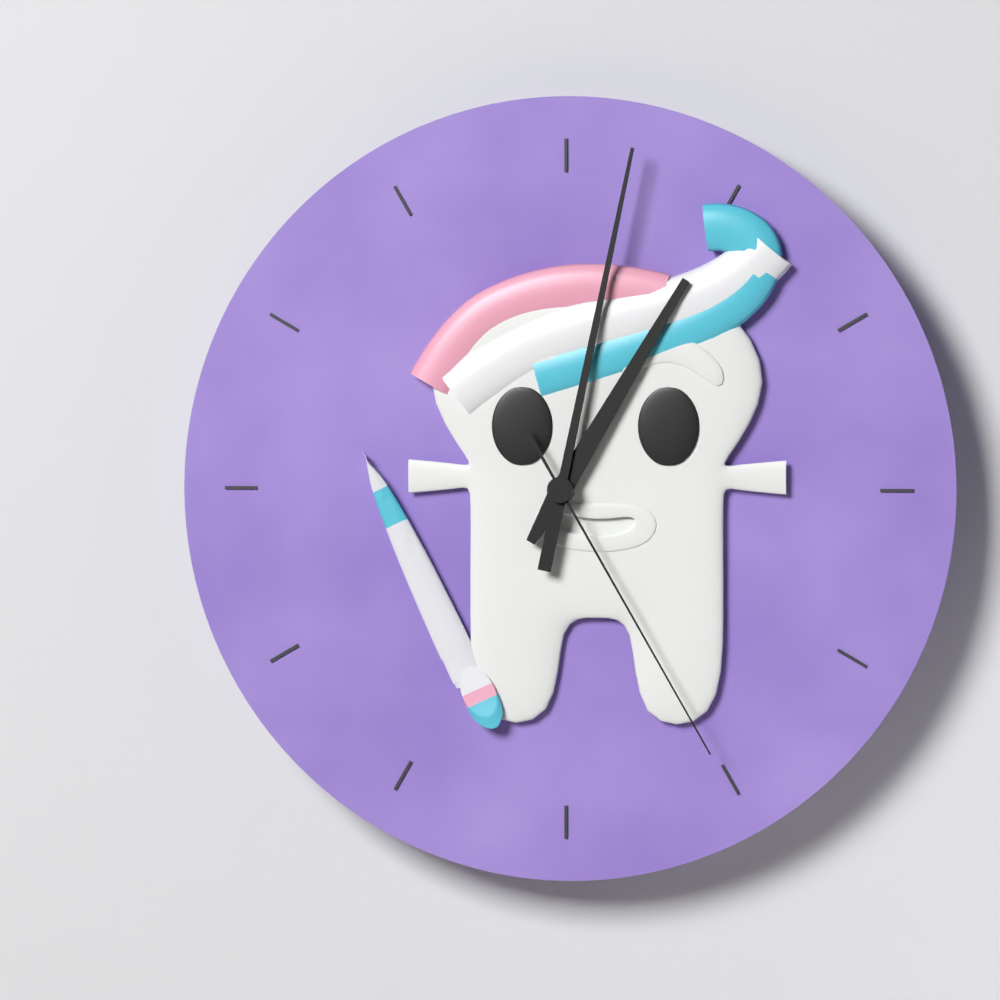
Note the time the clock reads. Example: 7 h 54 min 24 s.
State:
1 h 02 min 25 s
